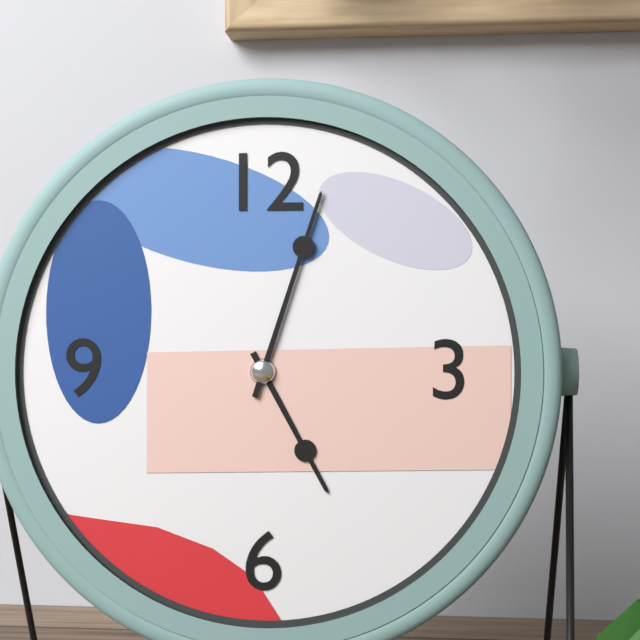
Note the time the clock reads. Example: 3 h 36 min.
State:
5 h 03 min
